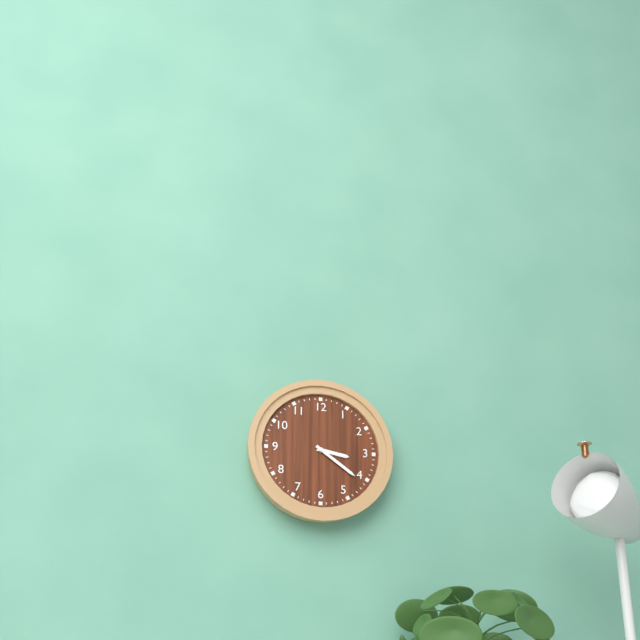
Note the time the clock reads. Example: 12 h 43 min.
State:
3 h 21 min
